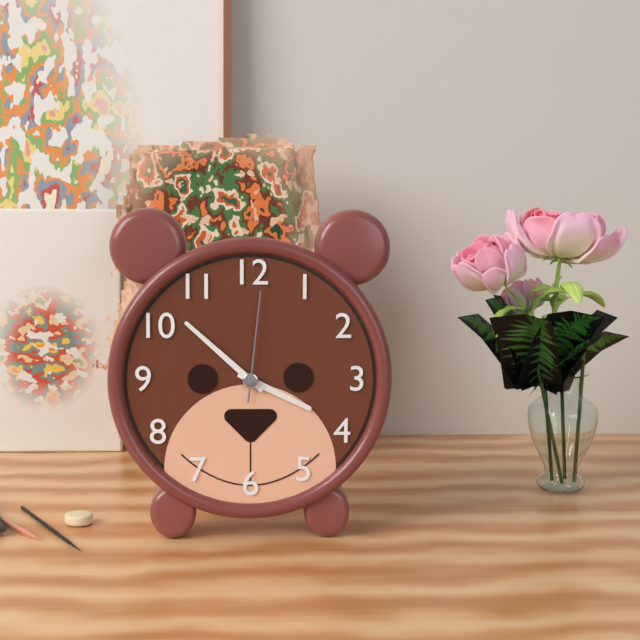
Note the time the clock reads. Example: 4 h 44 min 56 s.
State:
3 h 52 min 01 s
